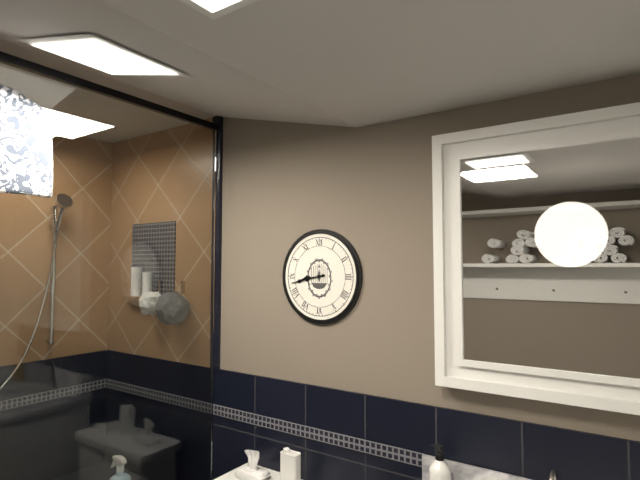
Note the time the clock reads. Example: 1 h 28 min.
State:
8 h 43 min
